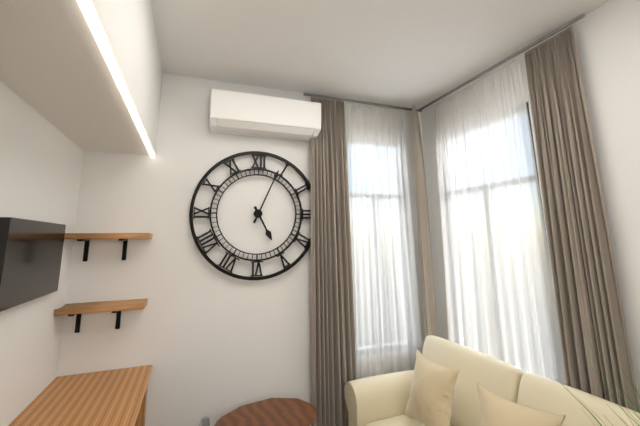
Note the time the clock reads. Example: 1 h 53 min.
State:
5 h 04 min
